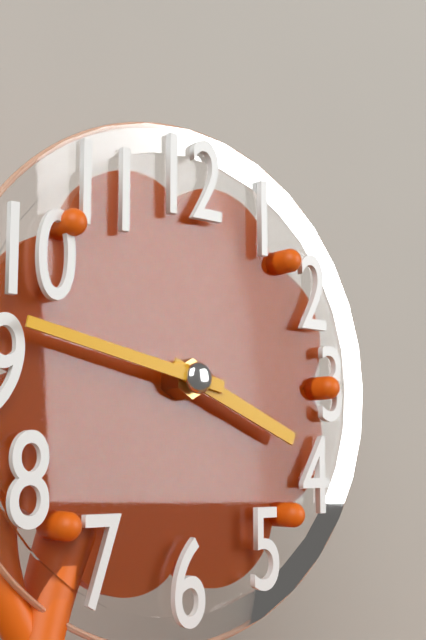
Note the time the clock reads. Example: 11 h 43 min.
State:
3 h 47 min
